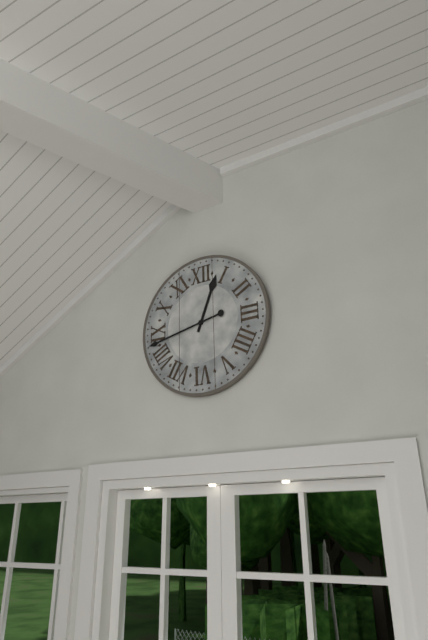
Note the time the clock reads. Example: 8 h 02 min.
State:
12 h 43 min
